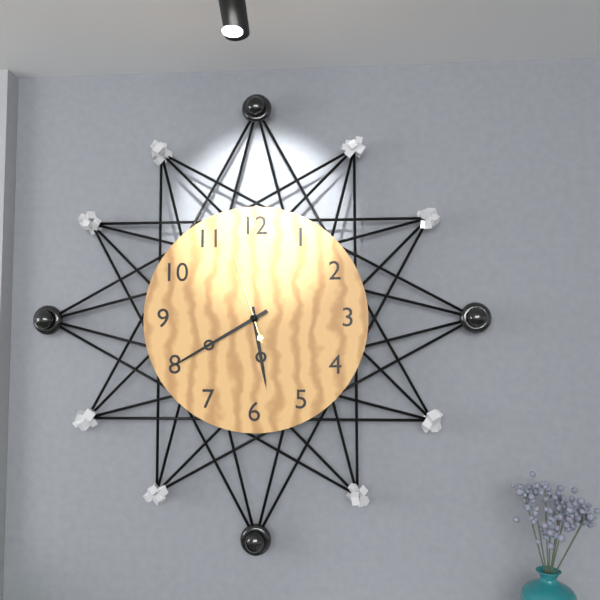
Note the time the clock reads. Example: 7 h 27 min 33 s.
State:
5 h 40 min 57 s
